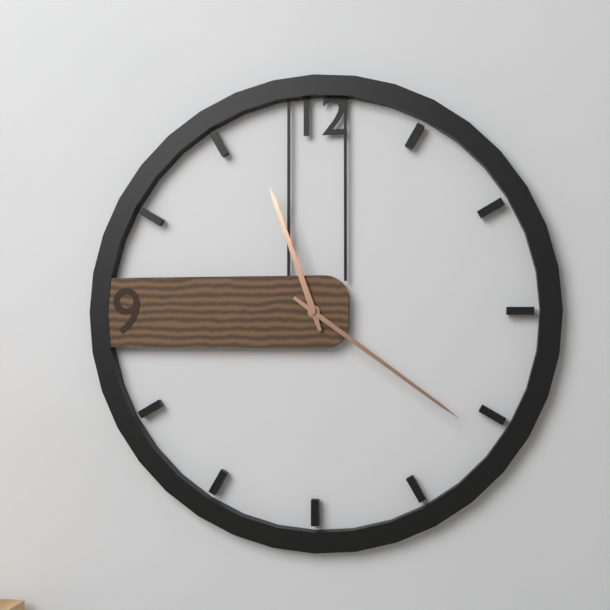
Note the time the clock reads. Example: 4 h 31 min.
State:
11 h 21 min
